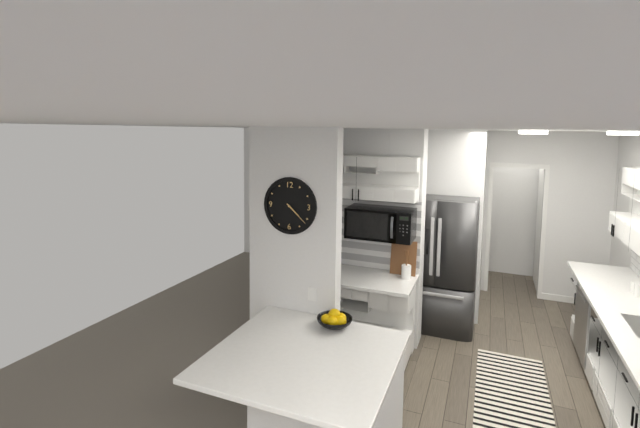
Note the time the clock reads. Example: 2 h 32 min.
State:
4 h 22 min
